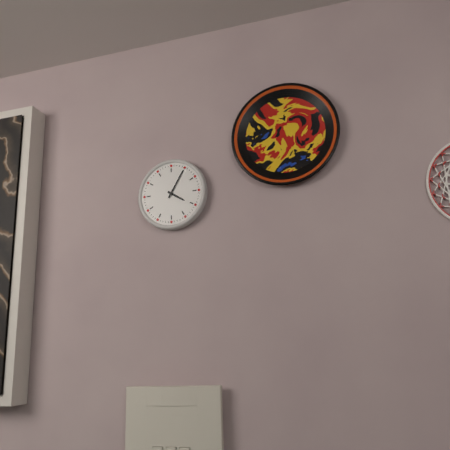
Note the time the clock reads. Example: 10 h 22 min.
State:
4 h 05 min
